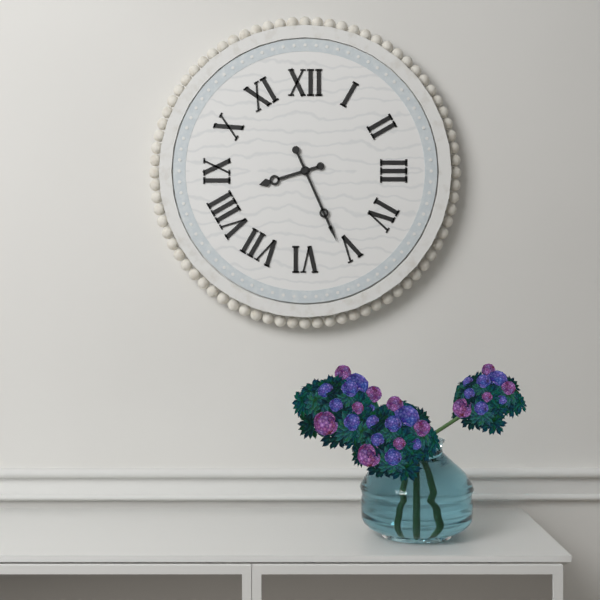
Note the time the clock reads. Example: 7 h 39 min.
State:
8 h 26 min
